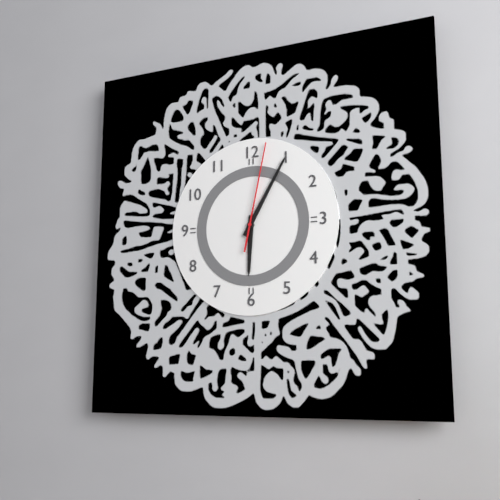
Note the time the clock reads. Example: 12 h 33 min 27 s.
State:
6 h 05 min 02 s
